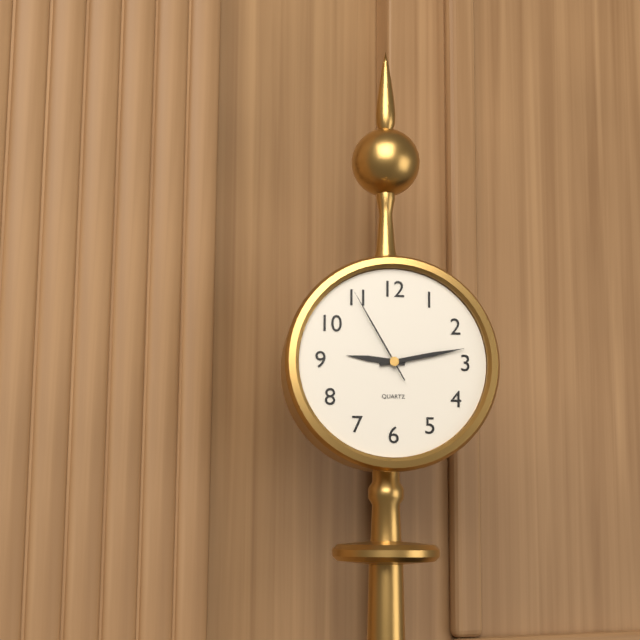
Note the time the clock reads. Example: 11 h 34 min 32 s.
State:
9 h 13 min 55 s
